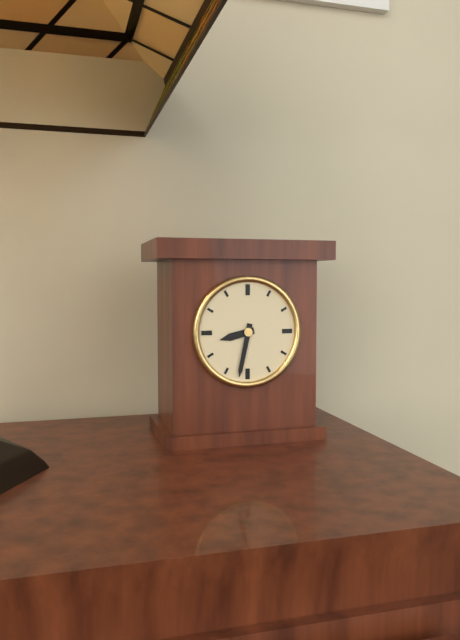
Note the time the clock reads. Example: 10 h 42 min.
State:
8 h 32 min
